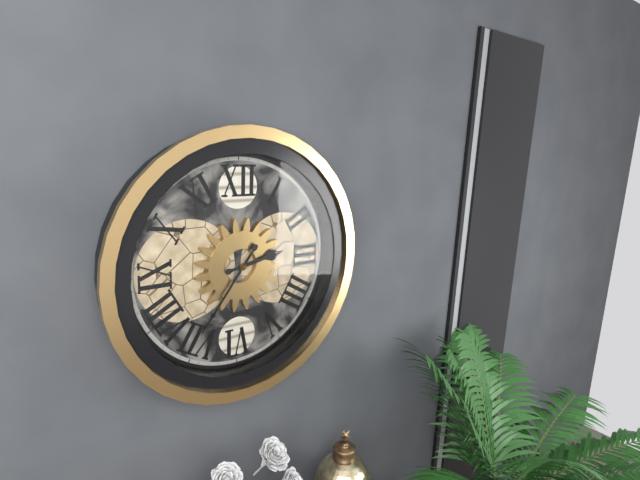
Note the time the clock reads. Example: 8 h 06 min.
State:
2 h 36 min
